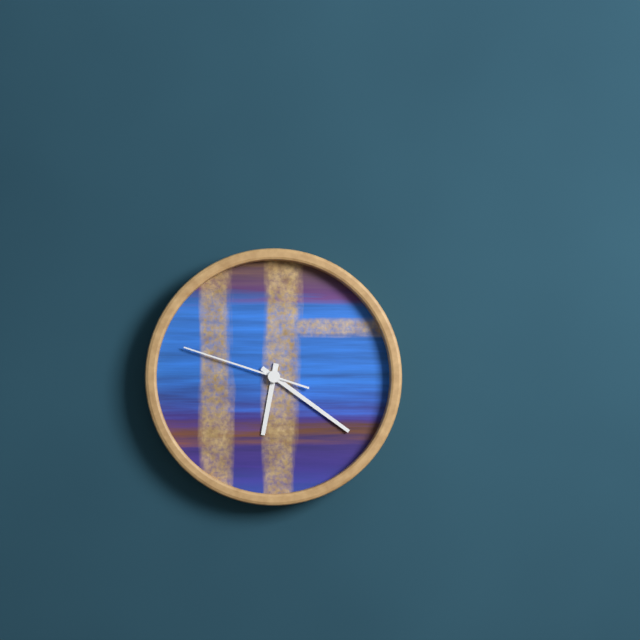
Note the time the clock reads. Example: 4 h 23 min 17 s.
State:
6 h 21 min 48 s
